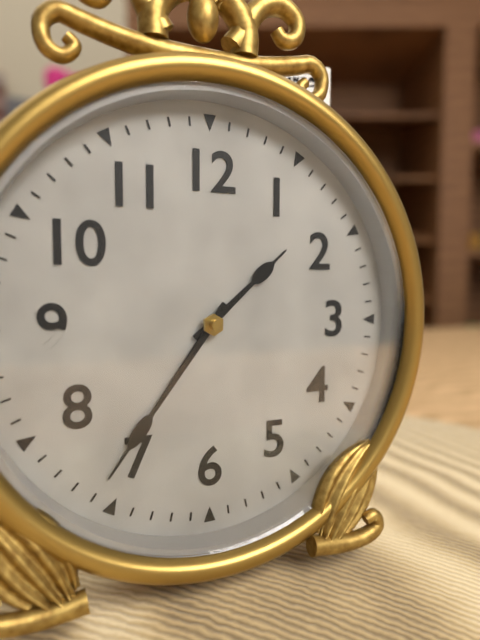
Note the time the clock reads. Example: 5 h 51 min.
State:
1 h 36 min
